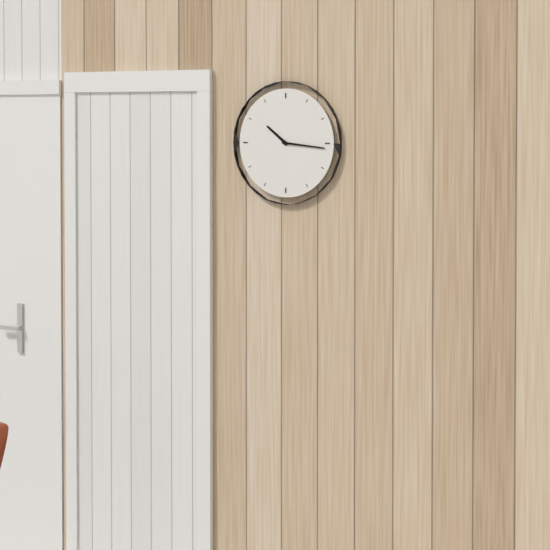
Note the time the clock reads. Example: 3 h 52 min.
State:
10 h 16 min
